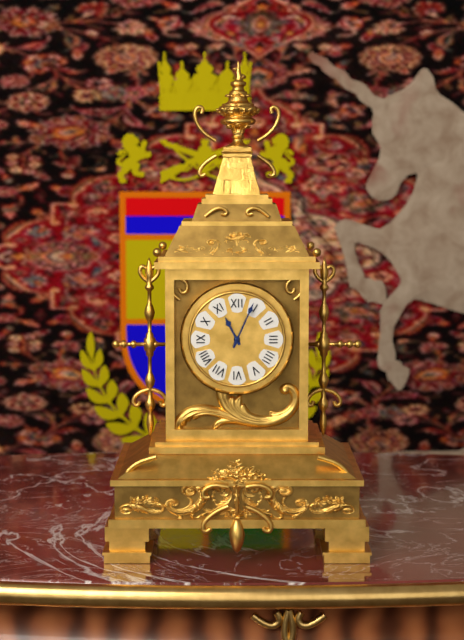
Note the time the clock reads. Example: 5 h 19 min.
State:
11 h 04 min
